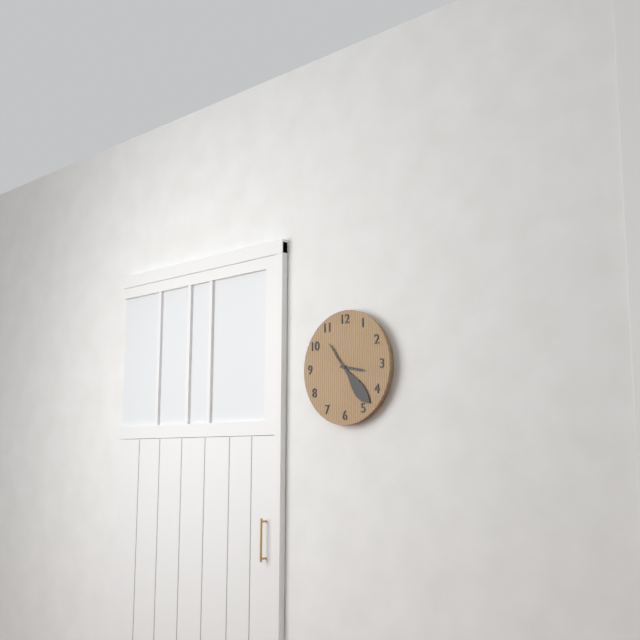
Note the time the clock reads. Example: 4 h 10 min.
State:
3 h 23 min
